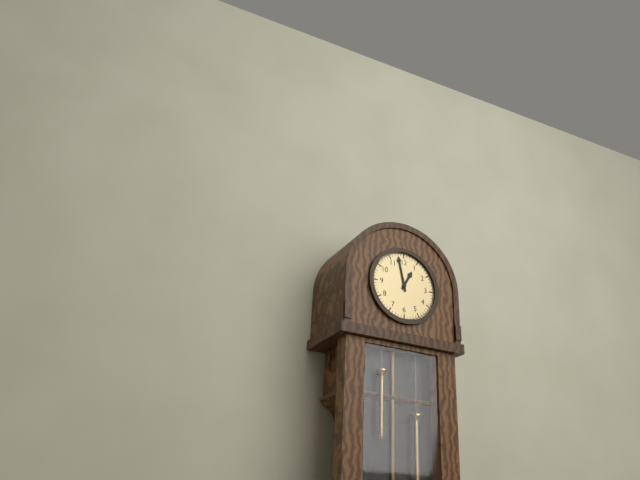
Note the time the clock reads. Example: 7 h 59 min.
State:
12 h 58 min
